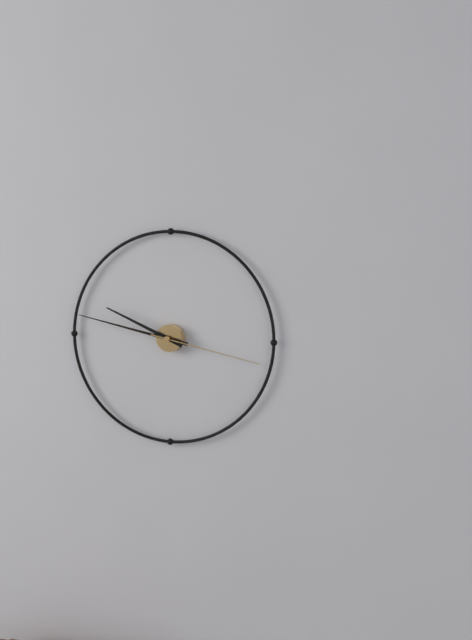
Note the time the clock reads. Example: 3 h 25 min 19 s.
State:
9 h 47 min 17 s
